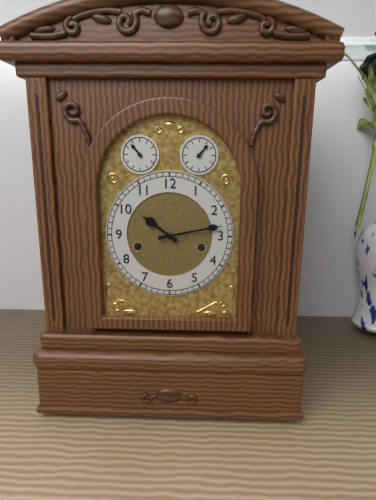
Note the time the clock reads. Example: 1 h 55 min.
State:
10 h 13 min
